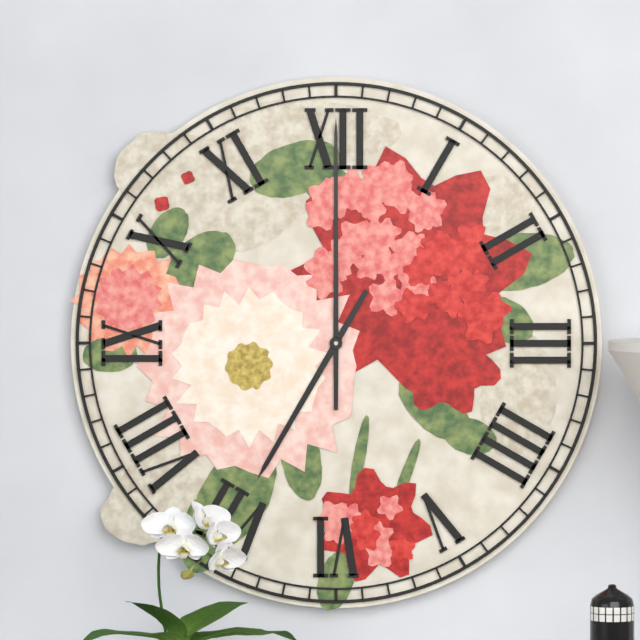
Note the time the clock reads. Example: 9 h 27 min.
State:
7 h 00 min
